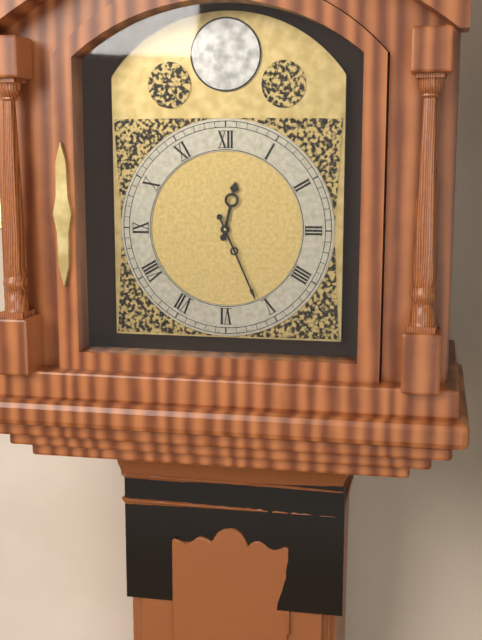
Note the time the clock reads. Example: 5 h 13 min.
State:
12 h 26 min
